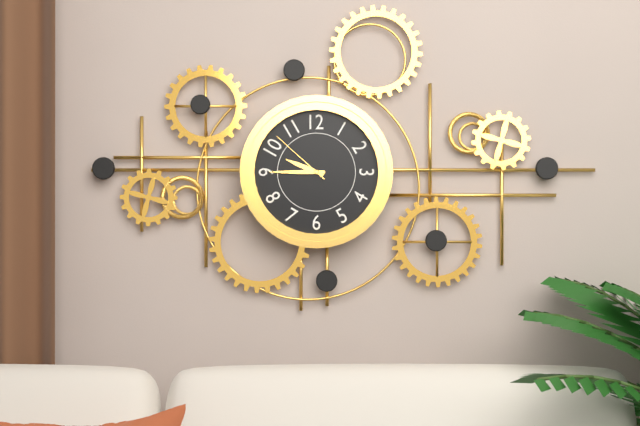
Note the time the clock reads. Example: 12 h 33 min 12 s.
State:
9 h 45 min 52 s
